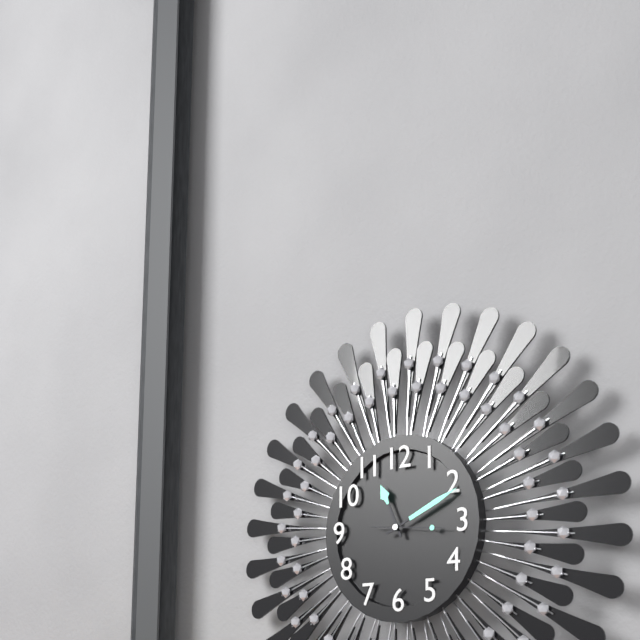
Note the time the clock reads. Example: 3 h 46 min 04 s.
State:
11 h 11 min 16 s
